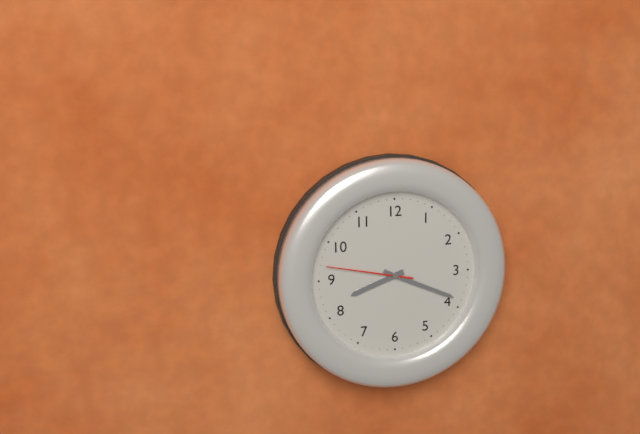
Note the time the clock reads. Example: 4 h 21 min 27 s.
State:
8 h 19 min 47 s
